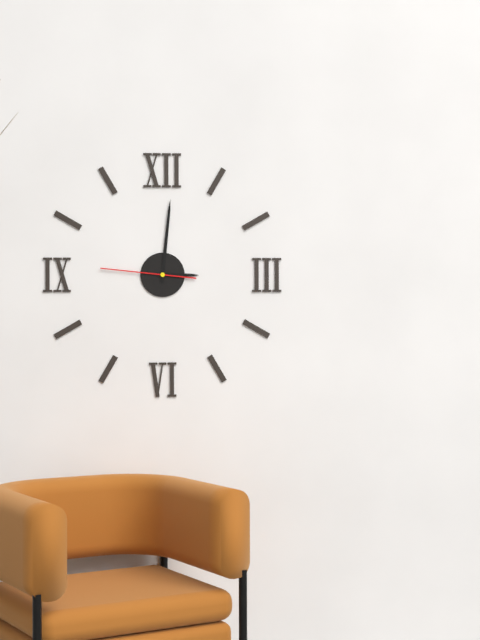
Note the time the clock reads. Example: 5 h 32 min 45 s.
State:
3 h 01 min 46 s
